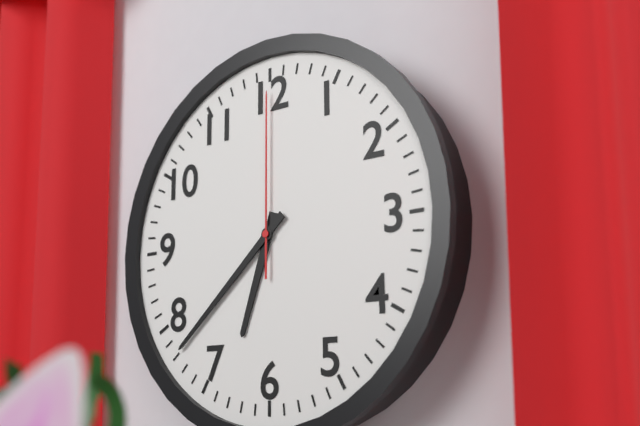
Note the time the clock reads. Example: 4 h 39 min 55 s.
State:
6 h 38 min 00 s
